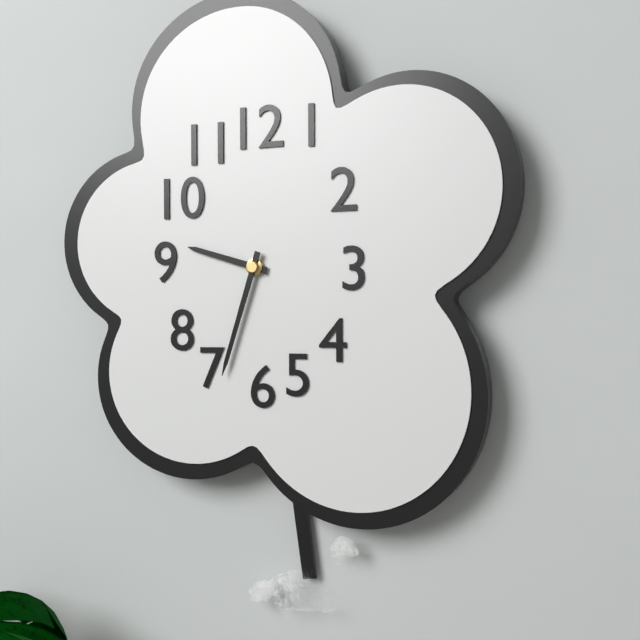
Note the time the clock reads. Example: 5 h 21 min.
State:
9 h 33 min
